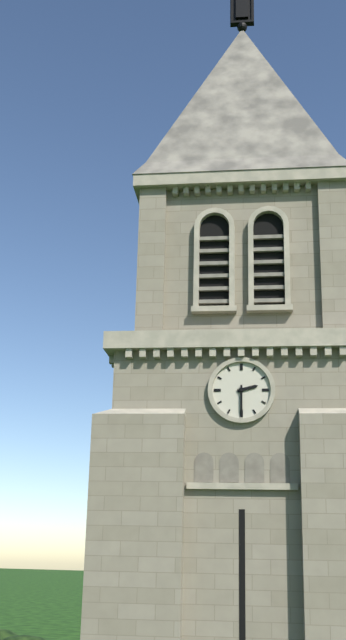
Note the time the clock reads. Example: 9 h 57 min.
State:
2 h 30 min
